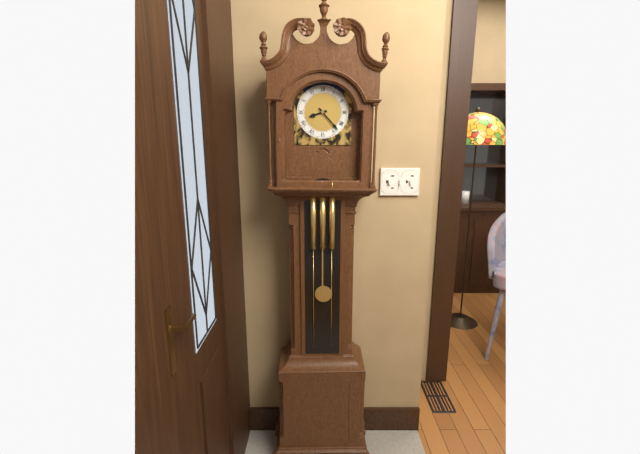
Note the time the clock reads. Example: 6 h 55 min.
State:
8 h 23 min
